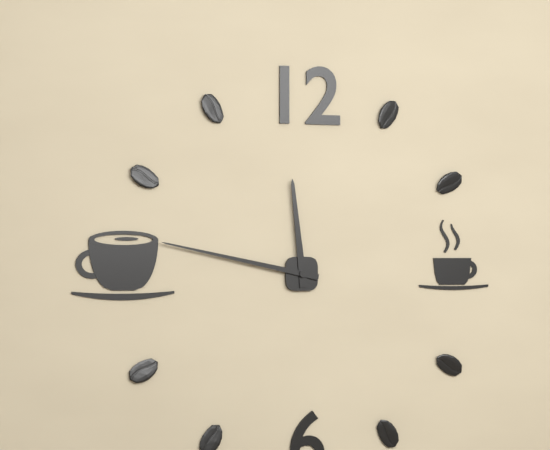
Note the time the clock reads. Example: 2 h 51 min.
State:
11 h 47 min
